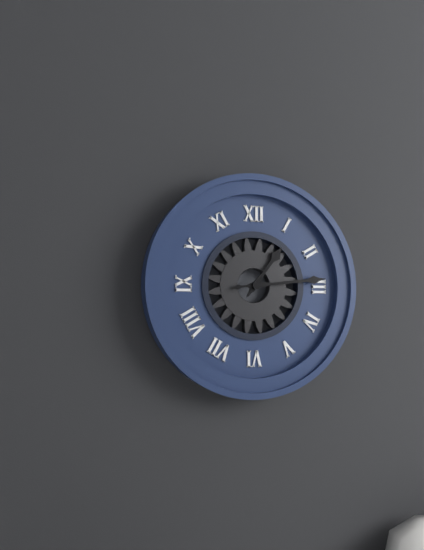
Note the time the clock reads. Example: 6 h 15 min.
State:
1 h 14 min
